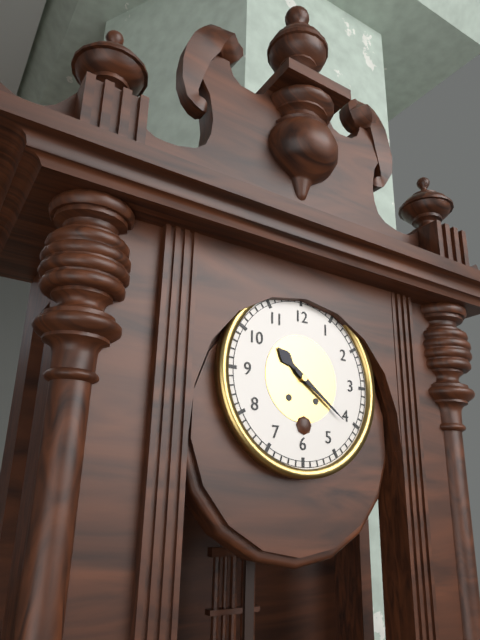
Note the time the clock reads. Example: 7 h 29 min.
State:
10 h 21 min
